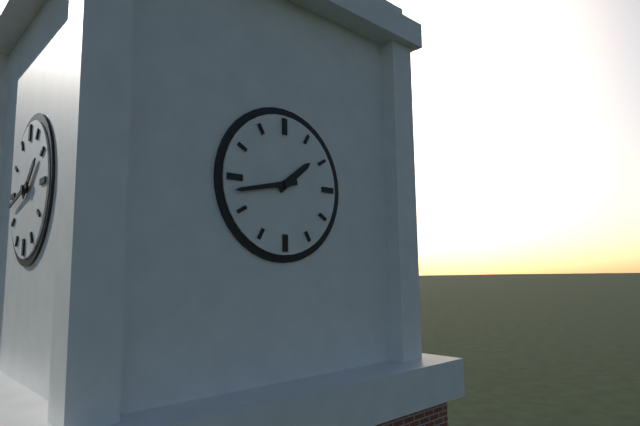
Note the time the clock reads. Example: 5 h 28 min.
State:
1 h 43 min
